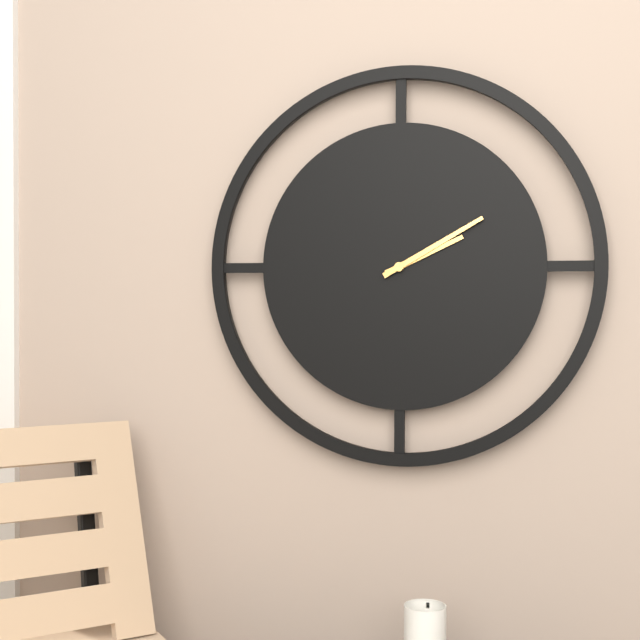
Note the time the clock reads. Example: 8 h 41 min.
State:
2 h 10 min
